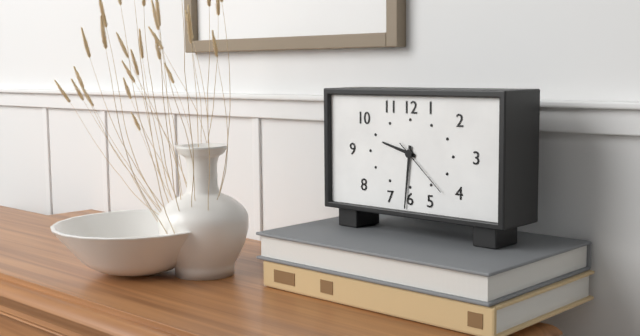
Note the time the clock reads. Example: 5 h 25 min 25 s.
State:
9 h 31 min 22 s
